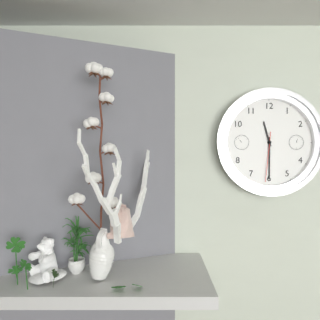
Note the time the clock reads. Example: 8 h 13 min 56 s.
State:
11 h 30 min 31 s
